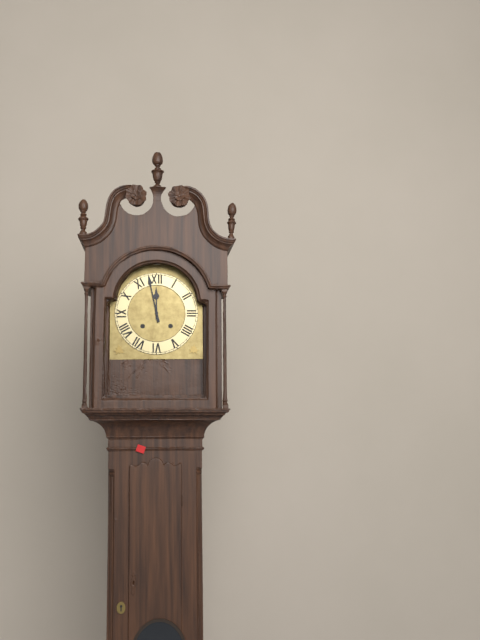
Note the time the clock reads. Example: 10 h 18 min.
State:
11 h 58 min
